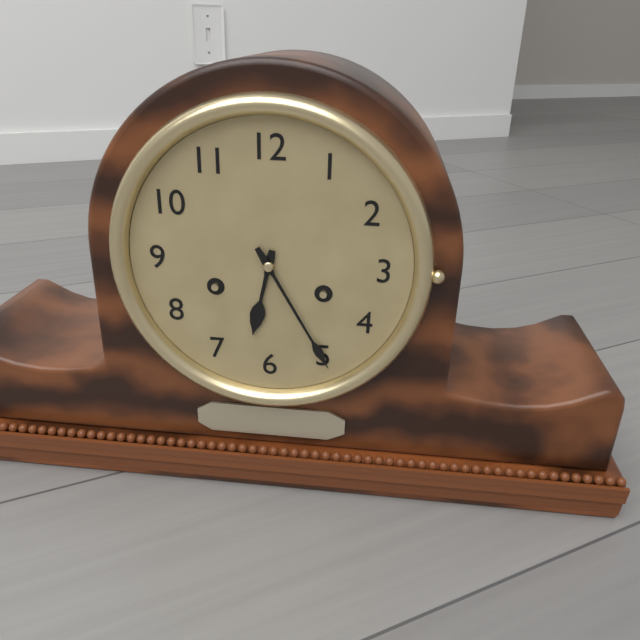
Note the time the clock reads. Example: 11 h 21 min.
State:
6 h 25 min
